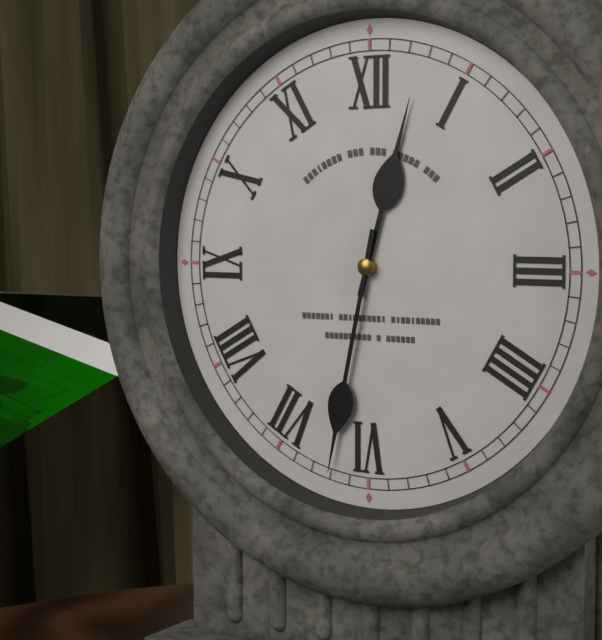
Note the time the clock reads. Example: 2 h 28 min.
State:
12 h 32 min
